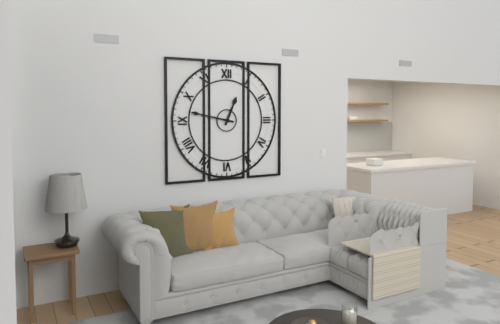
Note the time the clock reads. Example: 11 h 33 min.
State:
12 h 47 min
